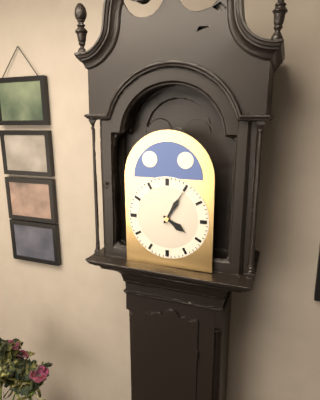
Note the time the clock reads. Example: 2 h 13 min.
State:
4 h 05 min
